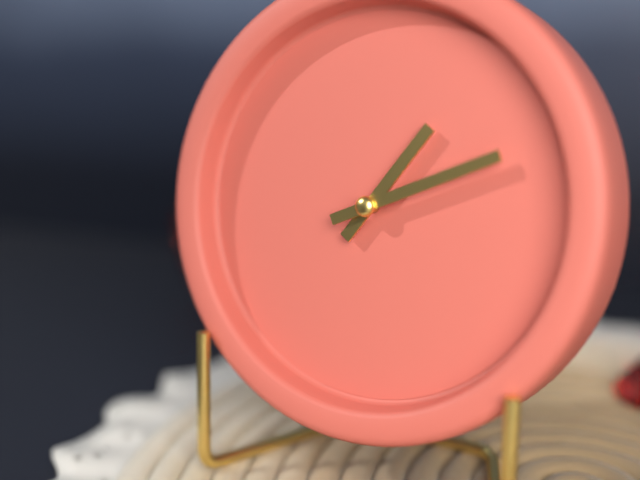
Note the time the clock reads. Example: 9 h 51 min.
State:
1 h 11 min
